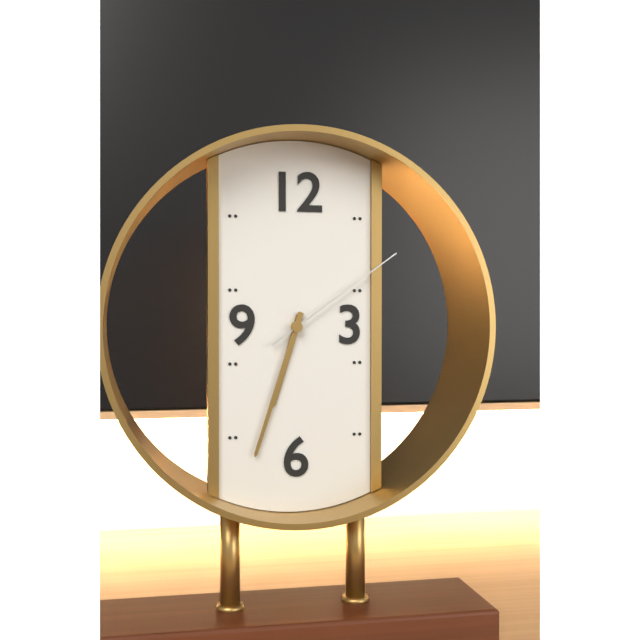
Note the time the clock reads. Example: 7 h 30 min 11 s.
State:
6 h 33 min 09 s
